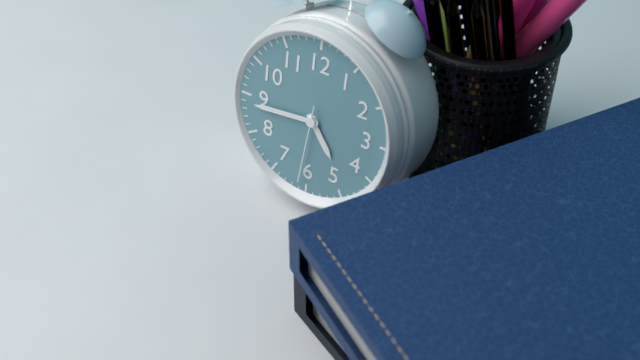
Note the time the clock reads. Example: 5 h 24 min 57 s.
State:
4 h 44 min 31 s
